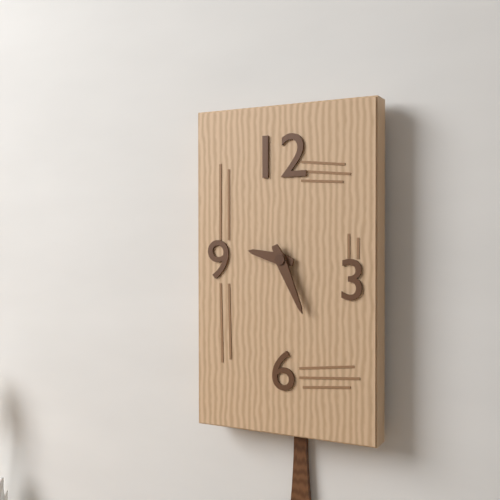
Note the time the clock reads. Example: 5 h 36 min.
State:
9 h 26 min
